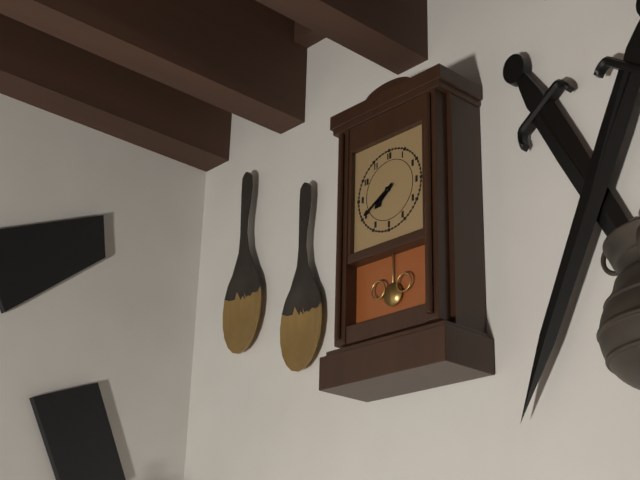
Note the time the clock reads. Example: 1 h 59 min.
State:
7 h 40 min
